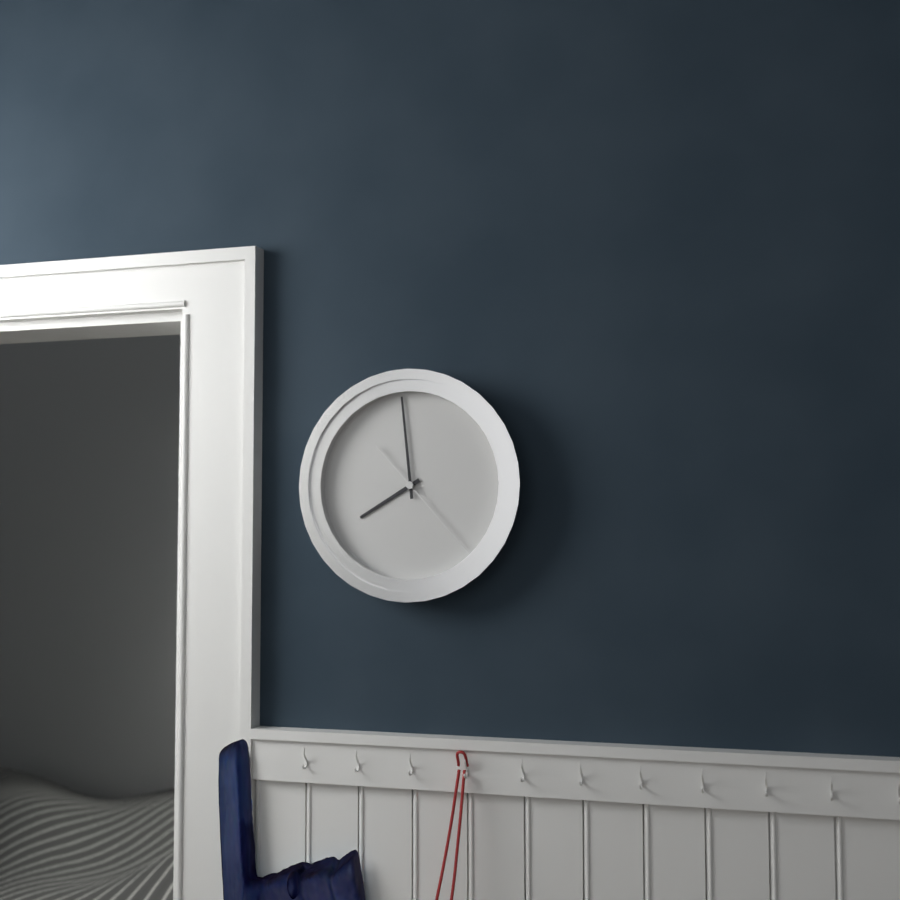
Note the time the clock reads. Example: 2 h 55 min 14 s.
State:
7 h 59 min 23 s
